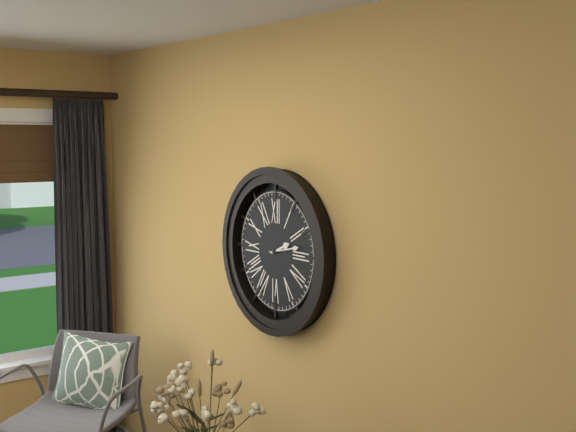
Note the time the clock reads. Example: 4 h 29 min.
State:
2 h 13 min
